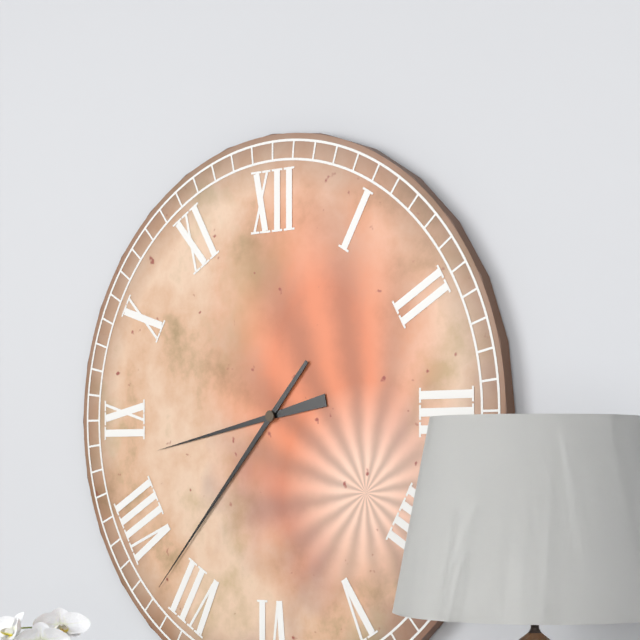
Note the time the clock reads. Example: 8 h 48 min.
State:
8 h 37 min
